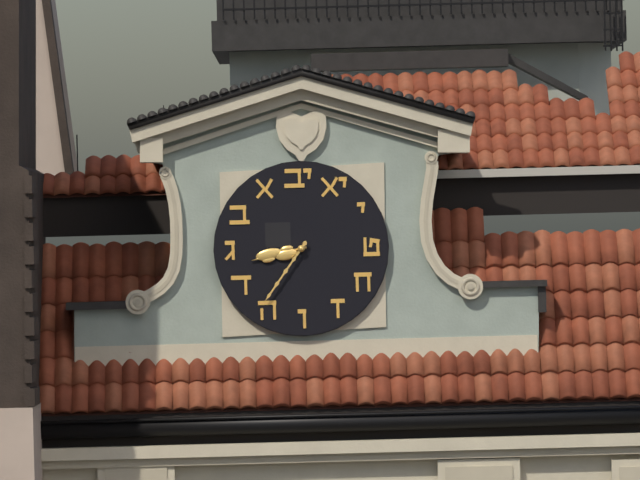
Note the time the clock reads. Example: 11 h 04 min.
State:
8 h 36 min
